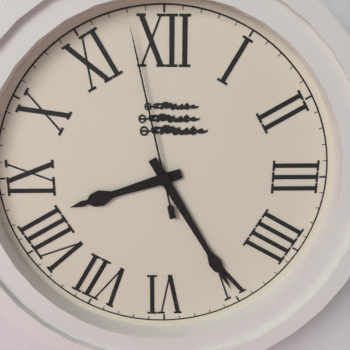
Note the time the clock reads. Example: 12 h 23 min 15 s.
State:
8 h 25 min 58 s
